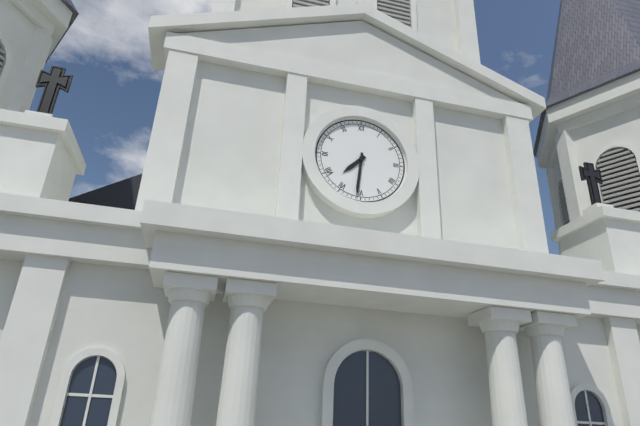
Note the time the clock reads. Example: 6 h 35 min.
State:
7 h 31 min
